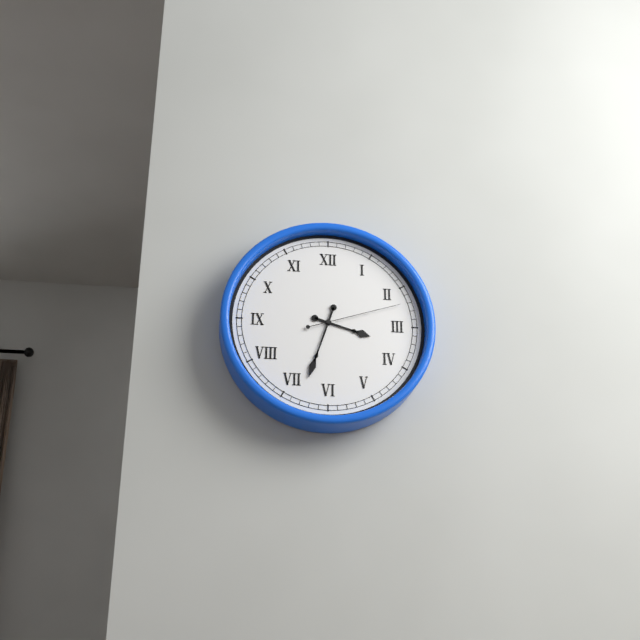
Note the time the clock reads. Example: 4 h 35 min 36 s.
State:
3 h 33 min 12 s
